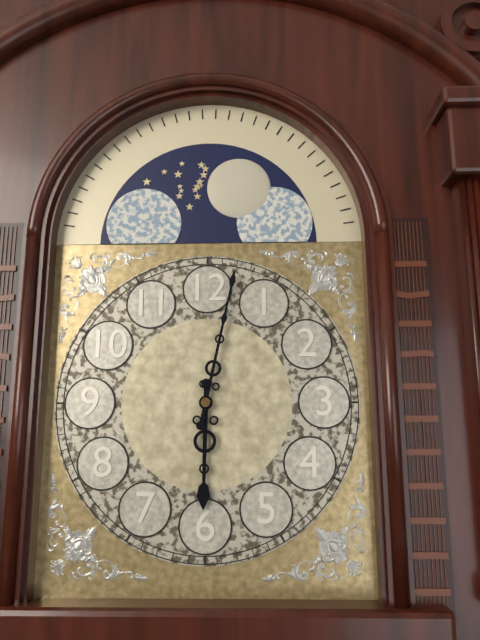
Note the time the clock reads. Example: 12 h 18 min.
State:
6 h 02 min
